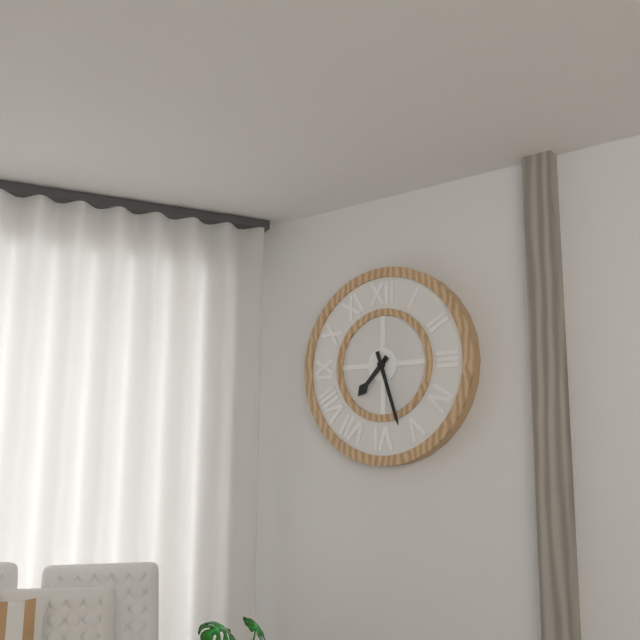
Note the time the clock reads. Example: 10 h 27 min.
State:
7 h 27 min
